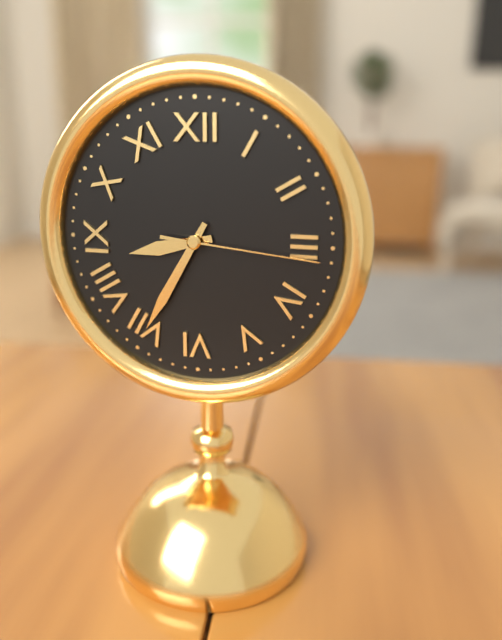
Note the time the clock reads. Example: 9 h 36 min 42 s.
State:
8 h 35 min 16 s
